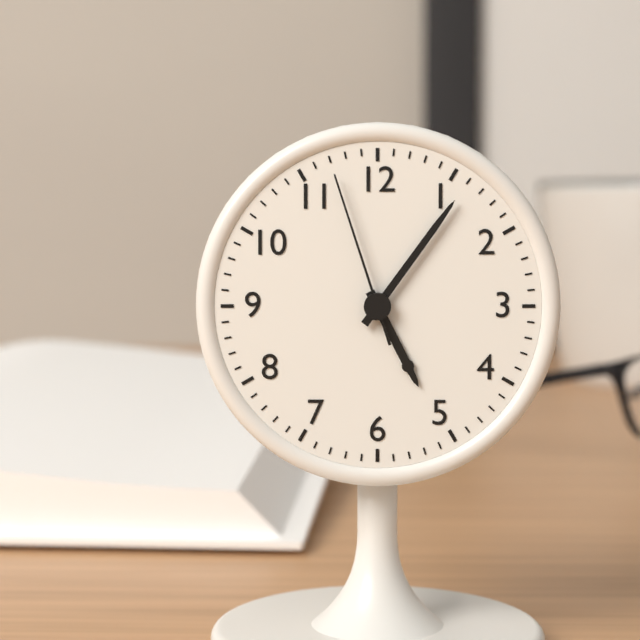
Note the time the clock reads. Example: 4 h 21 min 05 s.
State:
5 h 06 min 57 s
